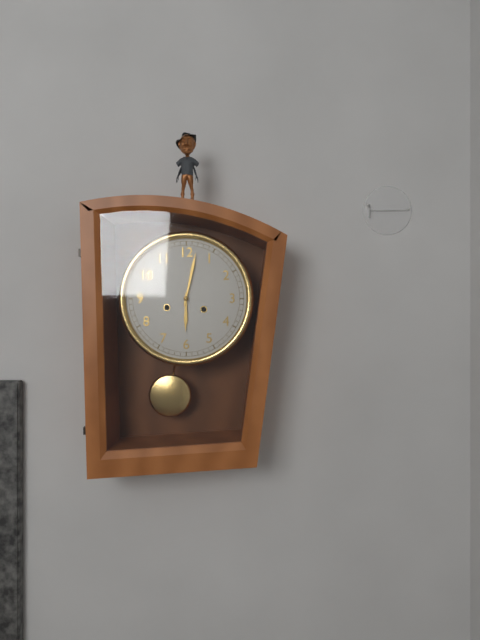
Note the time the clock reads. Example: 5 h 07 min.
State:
6 h 02 min
